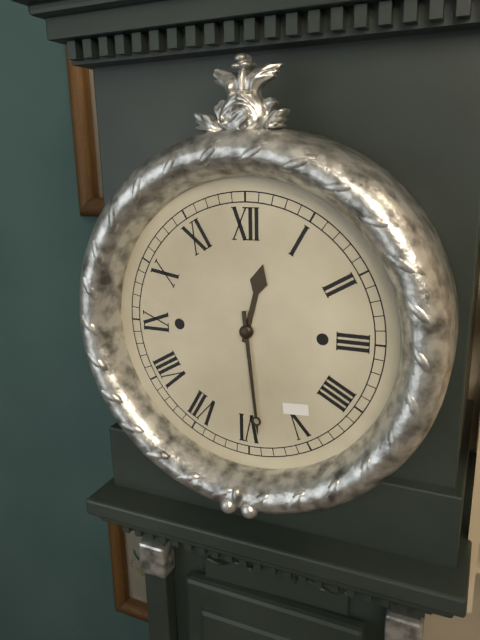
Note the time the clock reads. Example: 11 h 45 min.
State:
12 h 29 min
